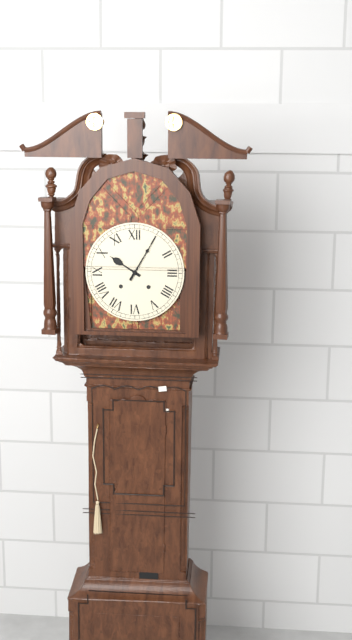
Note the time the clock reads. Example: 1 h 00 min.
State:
10 h 05 min
